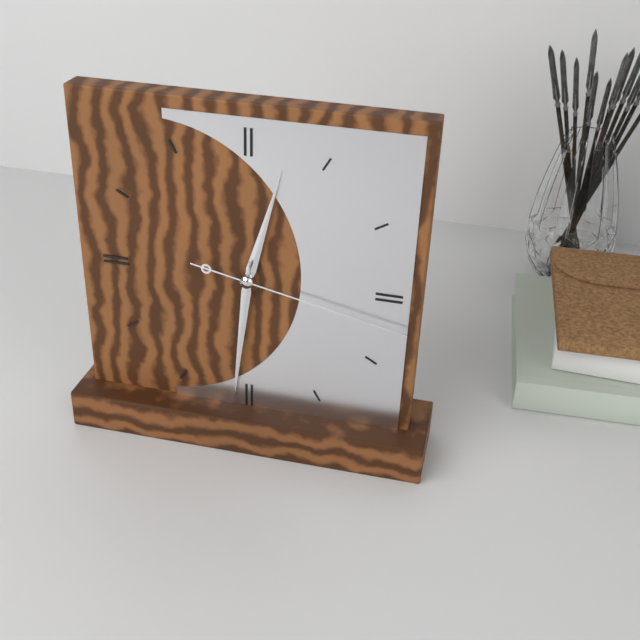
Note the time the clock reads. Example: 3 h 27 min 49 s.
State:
12 h 31 min 17 s
